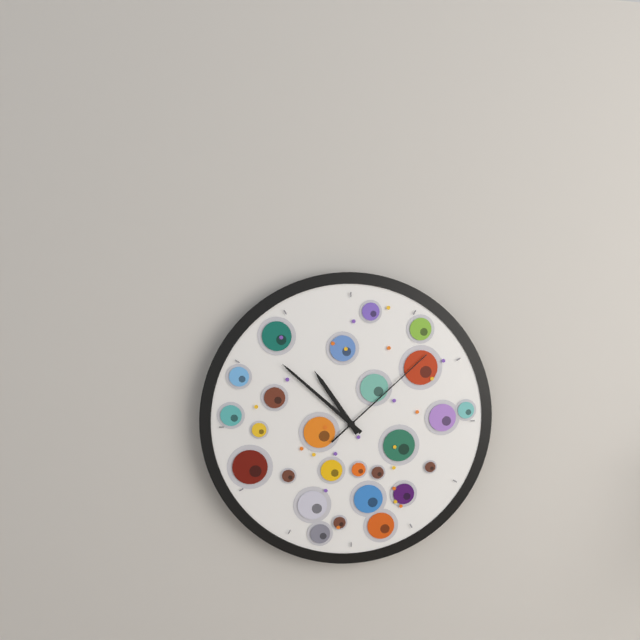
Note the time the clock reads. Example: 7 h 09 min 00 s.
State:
10 h 52 min 08 s
